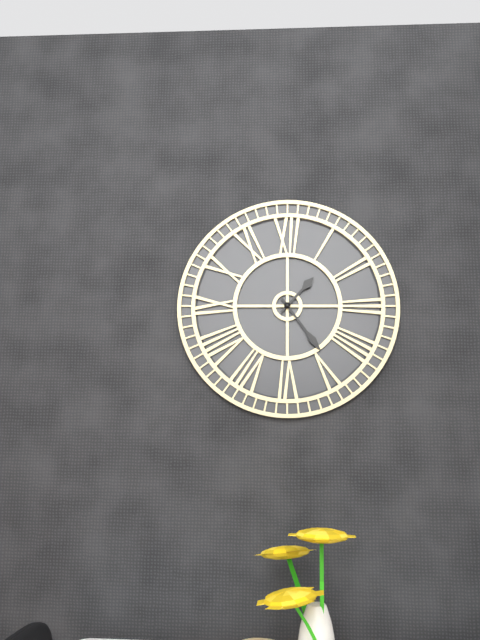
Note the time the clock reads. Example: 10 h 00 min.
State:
1 h 24 min
